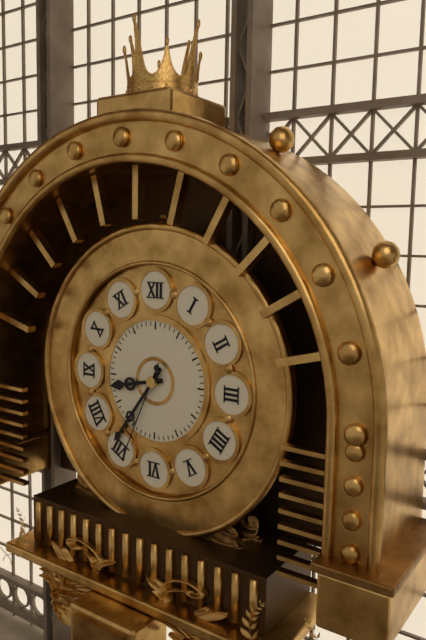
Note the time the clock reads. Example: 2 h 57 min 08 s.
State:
8 h 36 min 34 s
